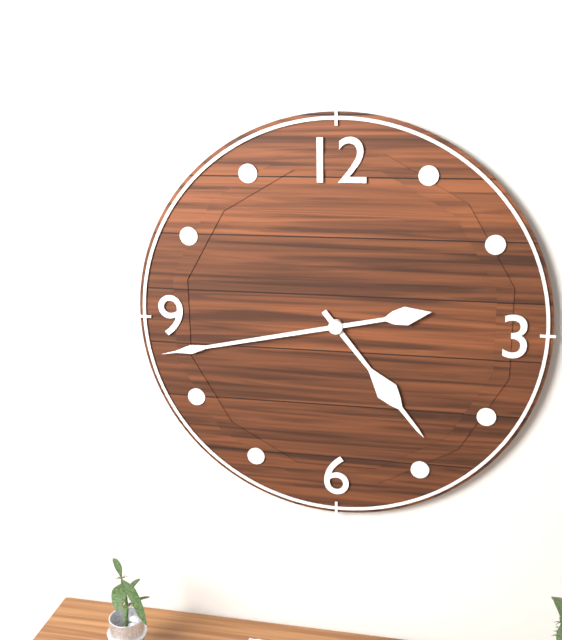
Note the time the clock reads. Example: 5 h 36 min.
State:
4 h 43 min
